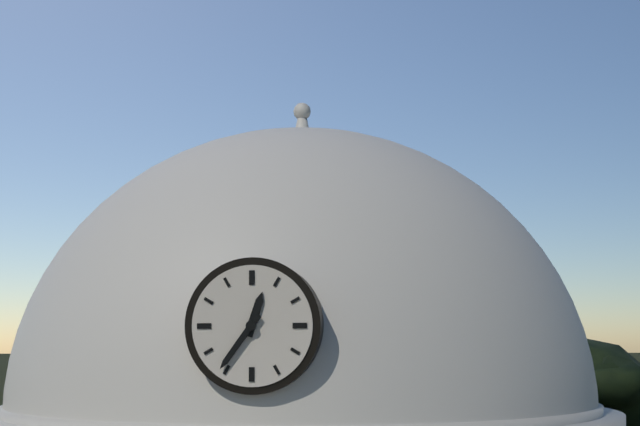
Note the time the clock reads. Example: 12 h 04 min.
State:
12 h 36 min
